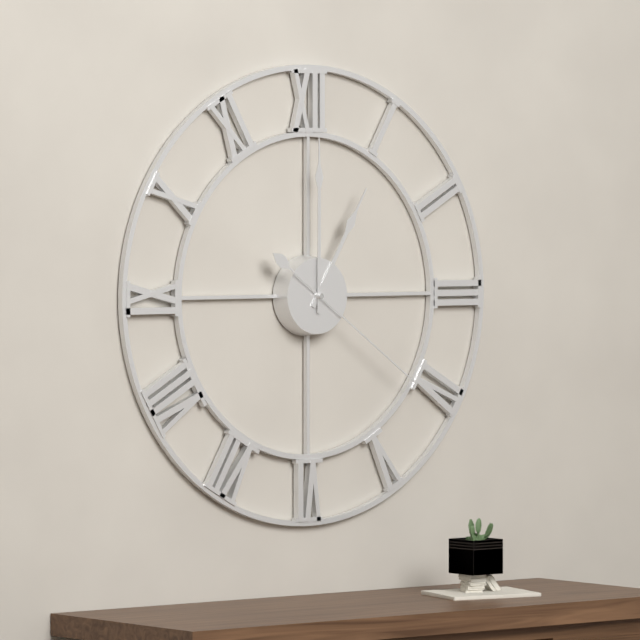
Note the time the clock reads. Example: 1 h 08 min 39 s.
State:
1 h 00 min 21 s
